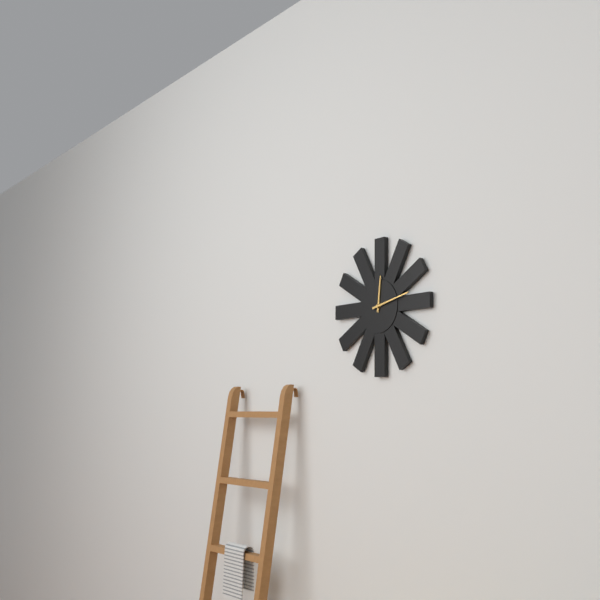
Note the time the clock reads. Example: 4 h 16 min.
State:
12 h 13 min
